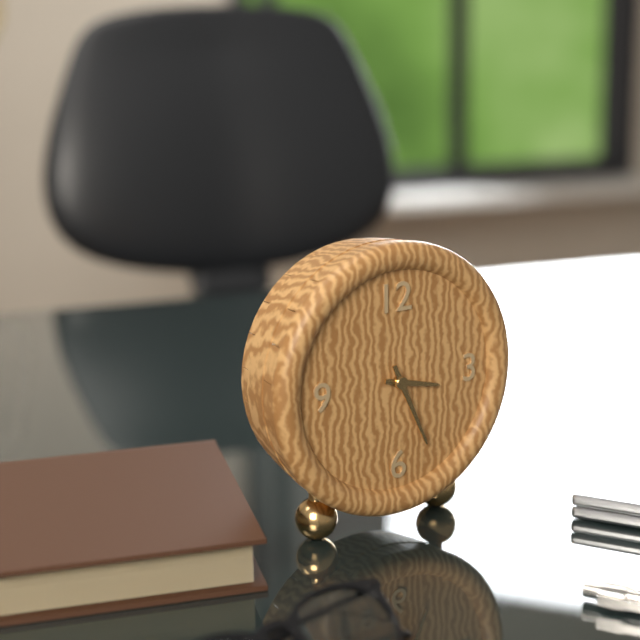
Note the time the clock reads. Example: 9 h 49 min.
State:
3 h 26 min
